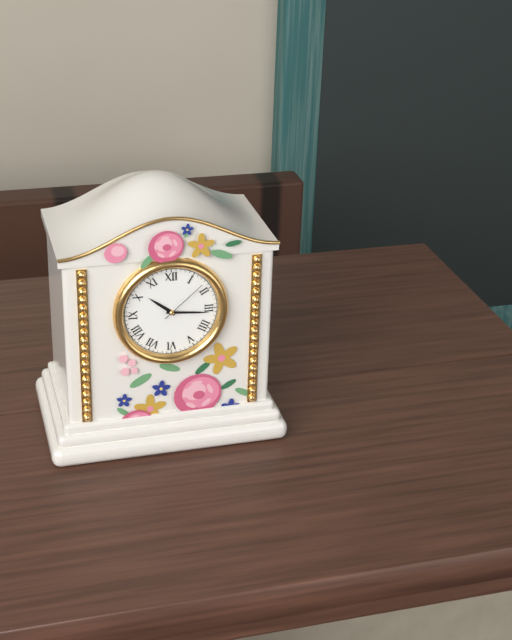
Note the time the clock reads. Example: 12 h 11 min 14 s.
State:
10 h 16 min 08 s
